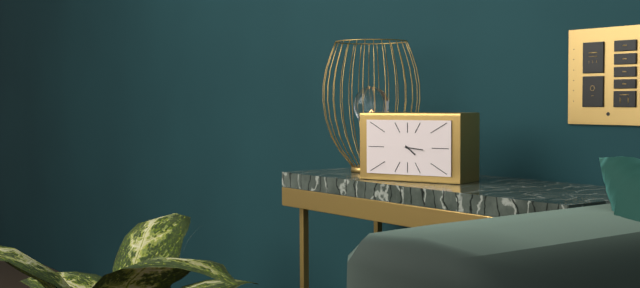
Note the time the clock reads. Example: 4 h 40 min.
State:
4 h 16 min
